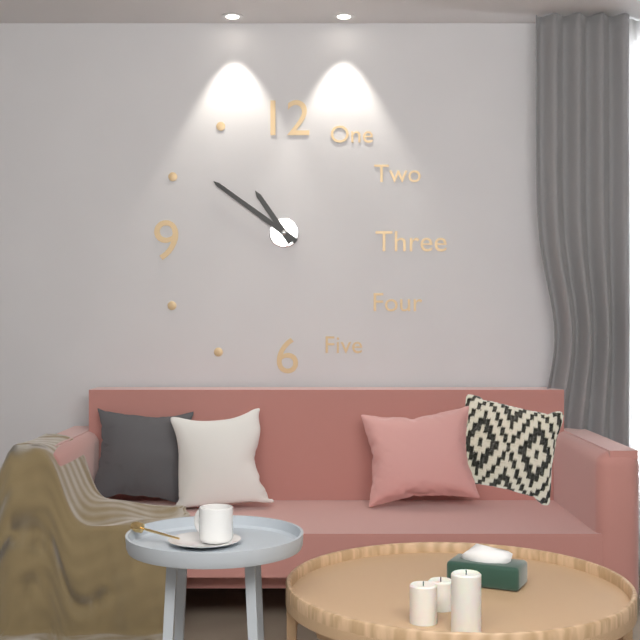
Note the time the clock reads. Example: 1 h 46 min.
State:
10 h 51 min
